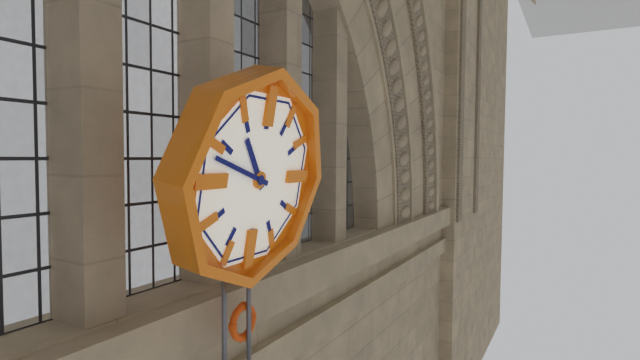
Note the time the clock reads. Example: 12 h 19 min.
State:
10 h 48 min
